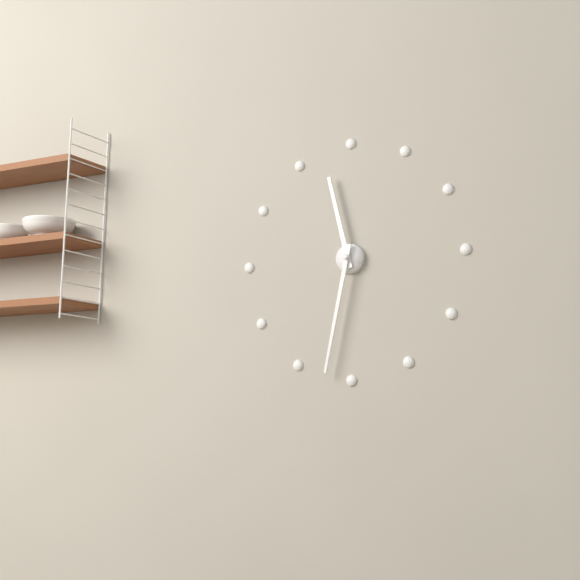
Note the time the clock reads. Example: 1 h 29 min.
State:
11 h 32 min
